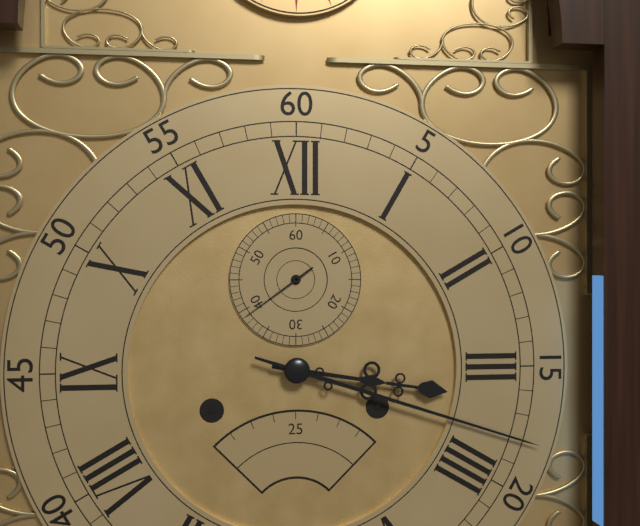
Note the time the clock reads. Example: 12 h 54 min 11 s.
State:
3 h 18 min 39 s
